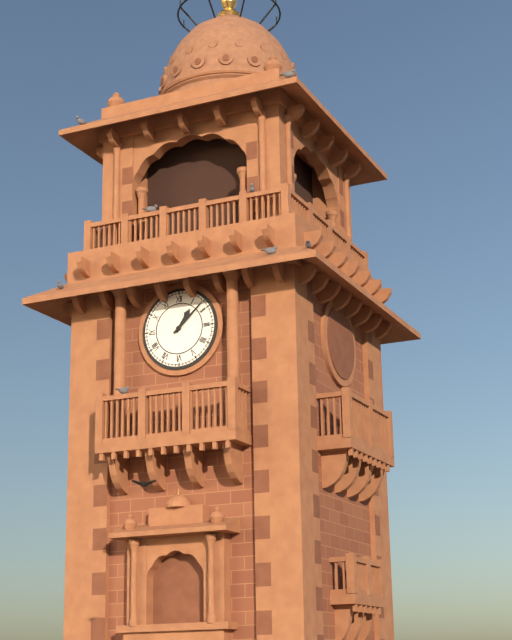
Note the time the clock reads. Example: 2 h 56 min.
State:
1 h 08 min
